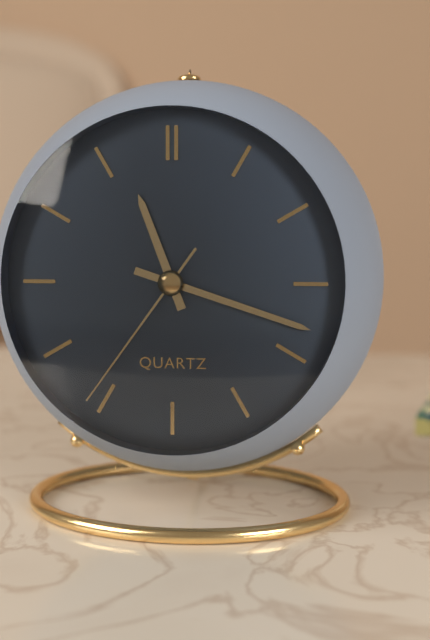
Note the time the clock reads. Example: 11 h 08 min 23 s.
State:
11 h 18 min 36 s
